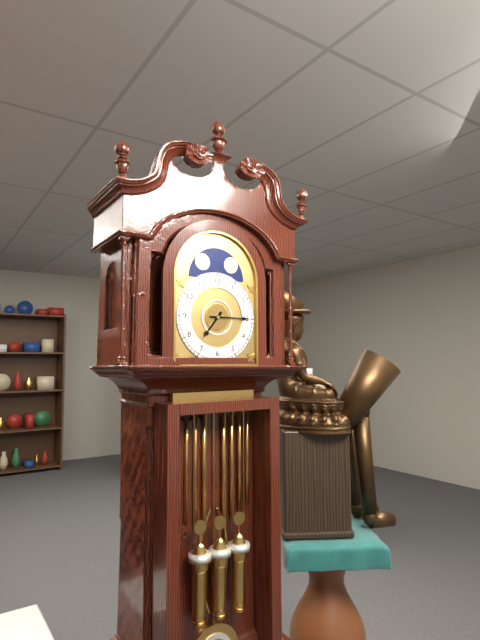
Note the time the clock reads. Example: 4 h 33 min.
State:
7 h 15 min
